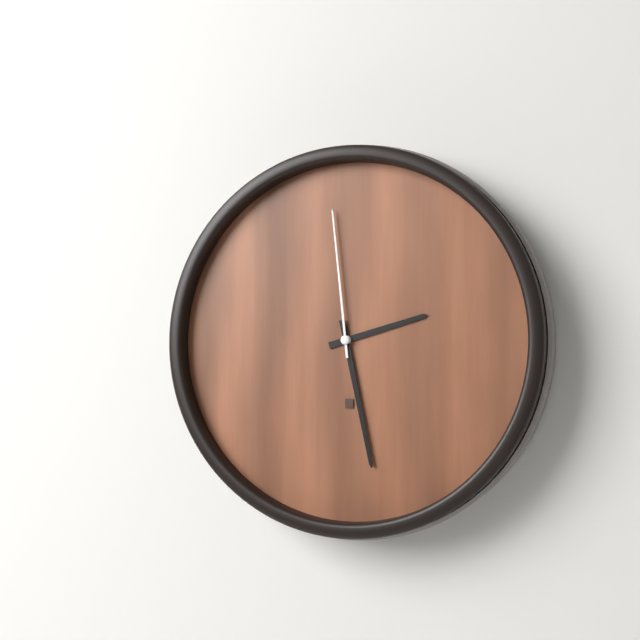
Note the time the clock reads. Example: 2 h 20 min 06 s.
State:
2 h 28 min 59 s
